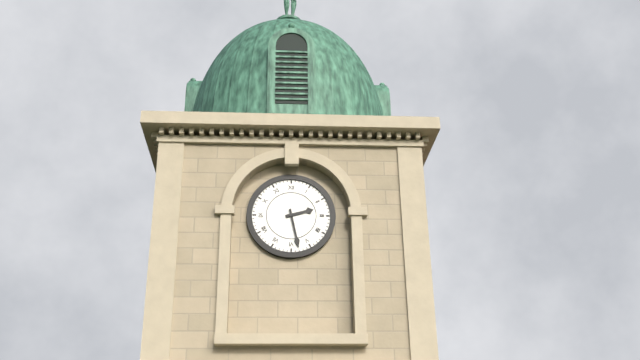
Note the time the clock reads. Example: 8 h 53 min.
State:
2 h 28 min
